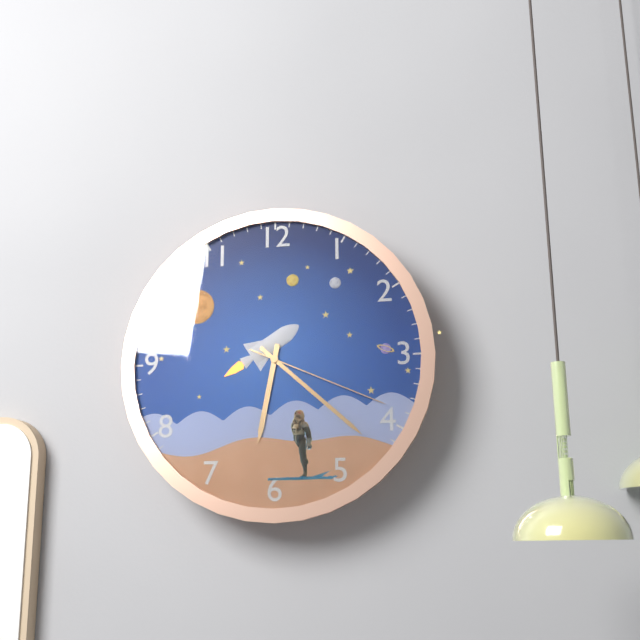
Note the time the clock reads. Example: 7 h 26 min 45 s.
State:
6 h 22 min 19 s
